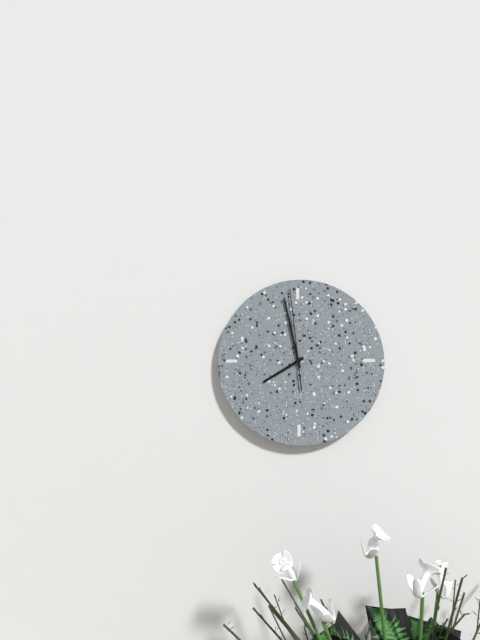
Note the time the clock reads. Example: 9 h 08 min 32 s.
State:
7 h 58 min 59 s
